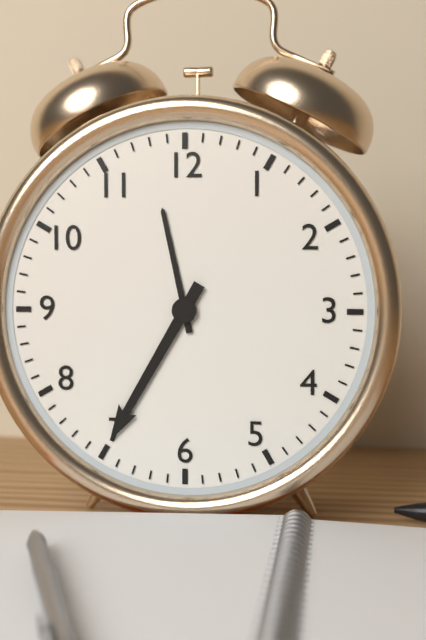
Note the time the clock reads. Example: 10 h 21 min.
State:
11 h 35 min
